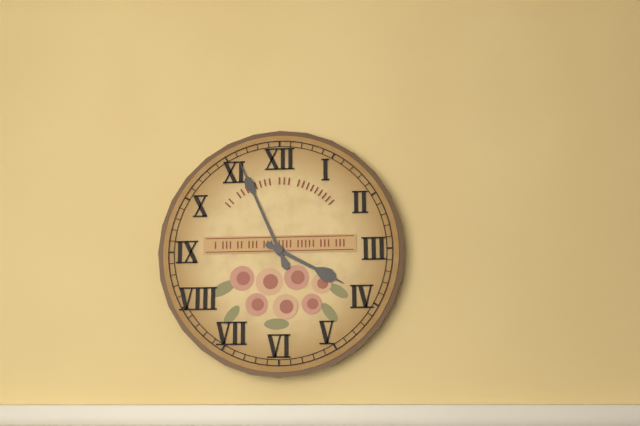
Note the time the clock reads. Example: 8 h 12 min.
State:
3 h 56 min
